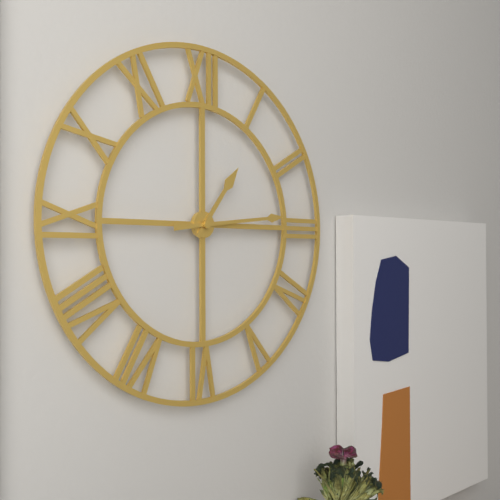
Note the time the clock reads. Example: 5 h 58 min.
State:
1 h 14 min
